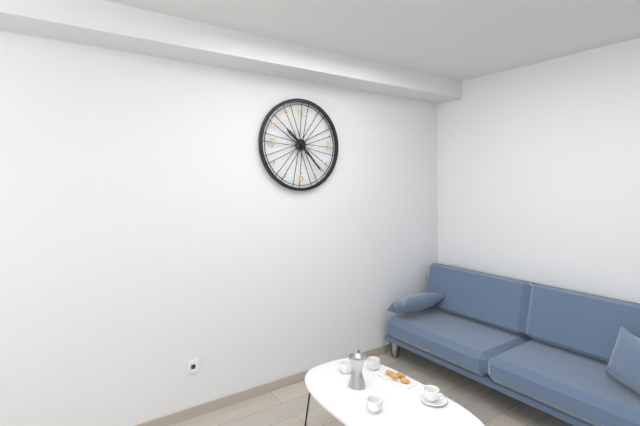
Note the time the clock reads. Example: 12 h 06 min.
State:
10 h 23 min
